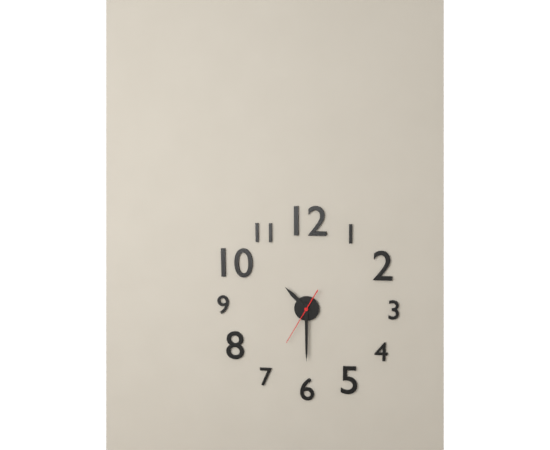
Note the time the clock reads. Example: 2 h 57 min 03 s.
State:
10 h 30 min 35 s
